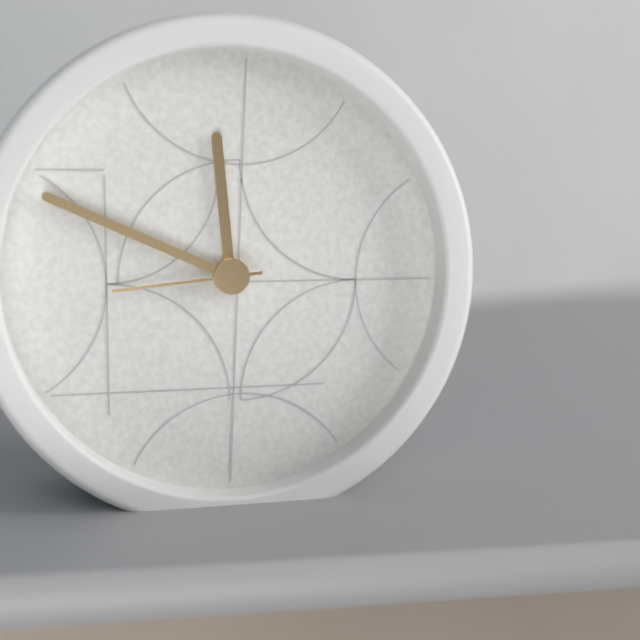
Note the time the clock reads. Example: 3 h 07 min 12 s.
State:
11 h 49 min 44 s
